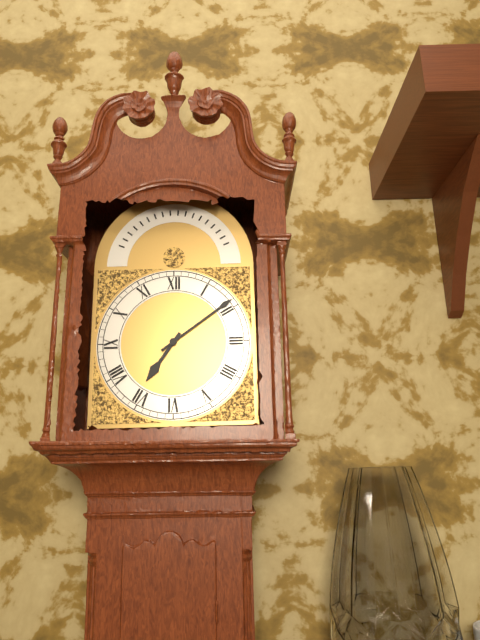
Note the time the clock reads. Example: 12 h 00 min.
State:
7 h 09 min
